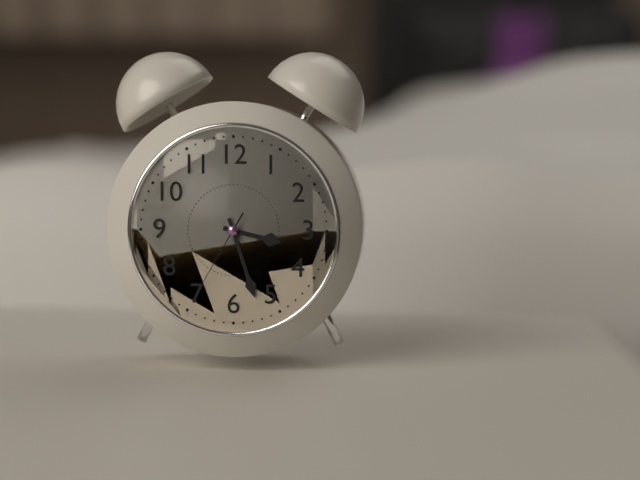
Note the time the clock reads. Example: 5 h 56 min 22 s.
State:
3 h 27 min 35 s
